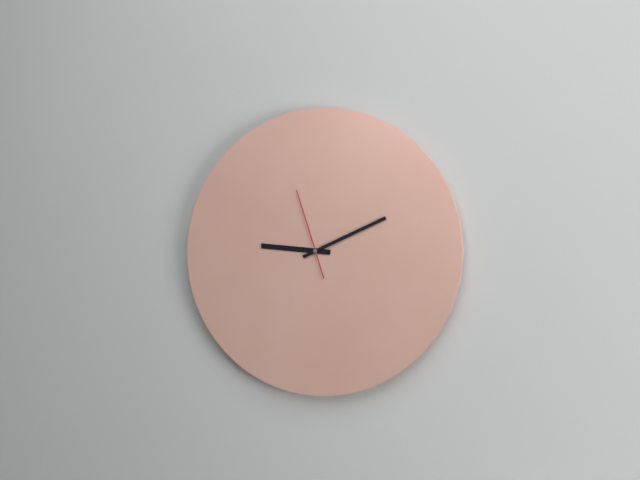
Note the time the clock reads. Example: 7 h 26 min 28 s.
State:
9 h 11 min 57 s
